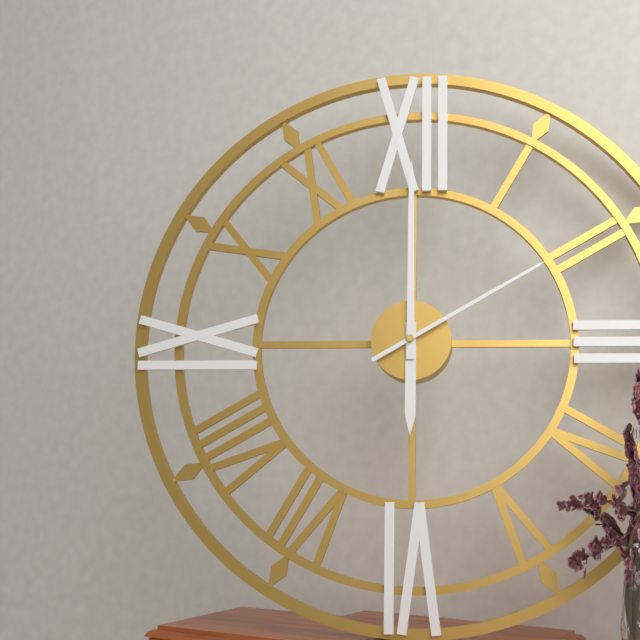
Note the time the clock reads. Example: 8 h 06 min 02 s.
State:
6 h 00 min 10 s
